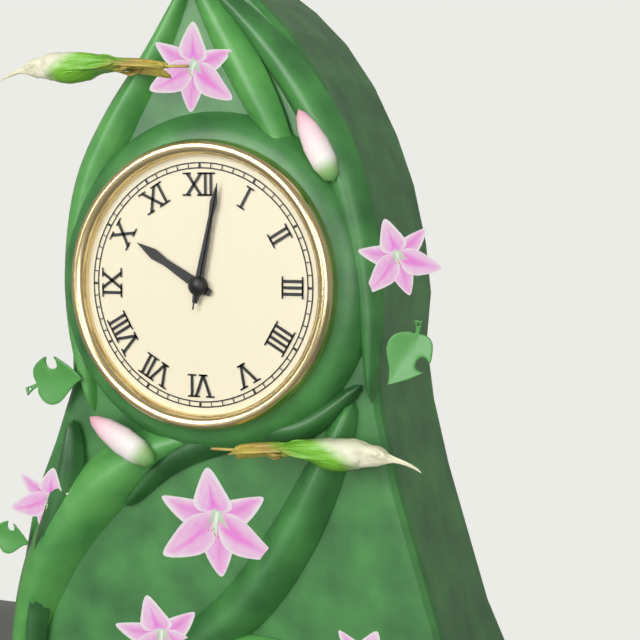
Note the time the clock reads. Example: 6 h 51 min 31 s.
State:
10 h 02 min 02 s
